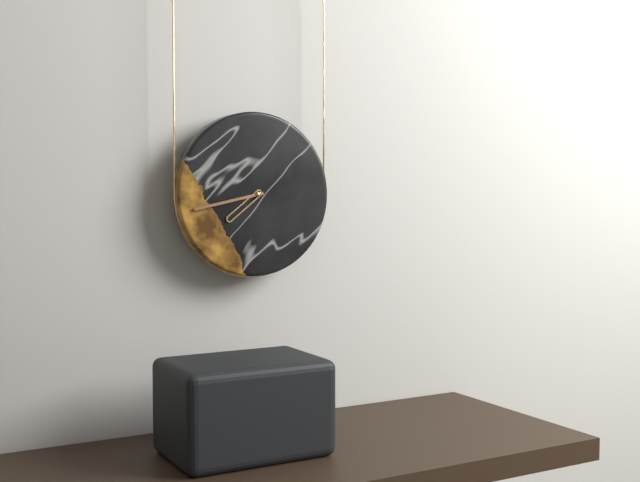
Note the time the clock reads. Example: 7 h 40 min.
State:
7 h 43 min
